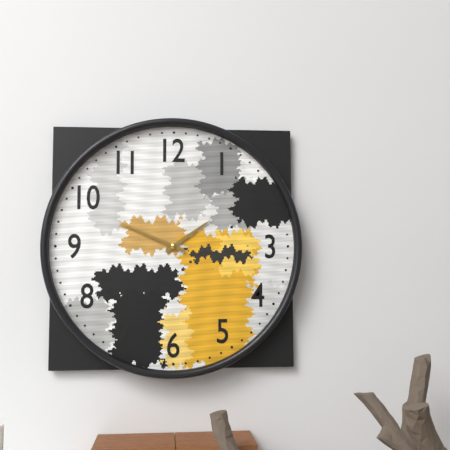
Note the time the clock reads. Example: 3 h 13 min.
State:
1 h 49 min
